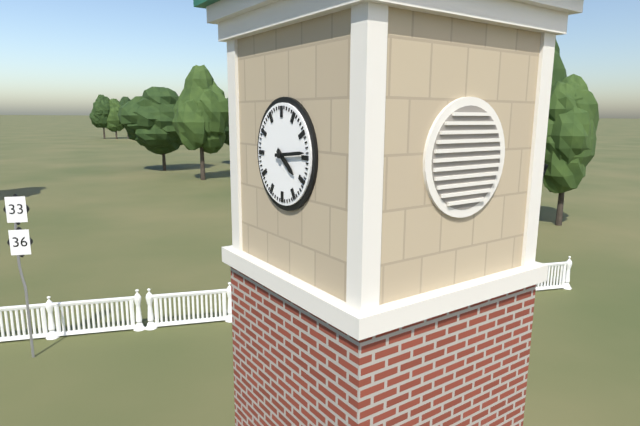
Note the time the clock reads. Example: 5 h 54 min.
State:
4 h 14 min
